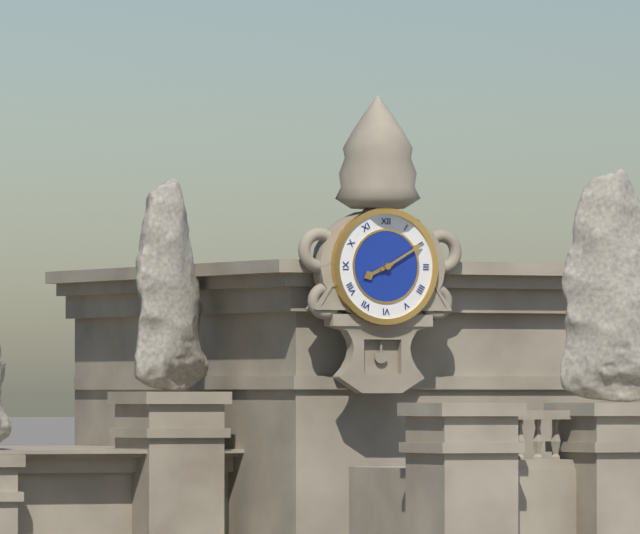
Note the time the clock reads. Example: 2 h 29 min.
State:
8 h 10 min
